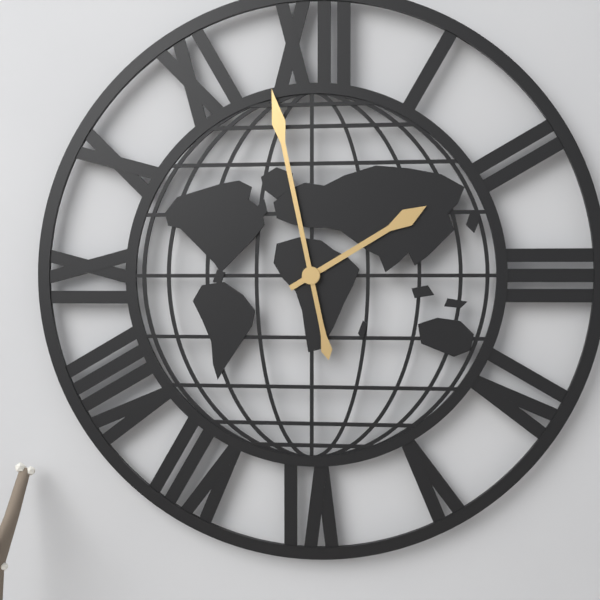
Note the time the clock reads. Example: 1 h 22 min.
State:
1 h 58 min
